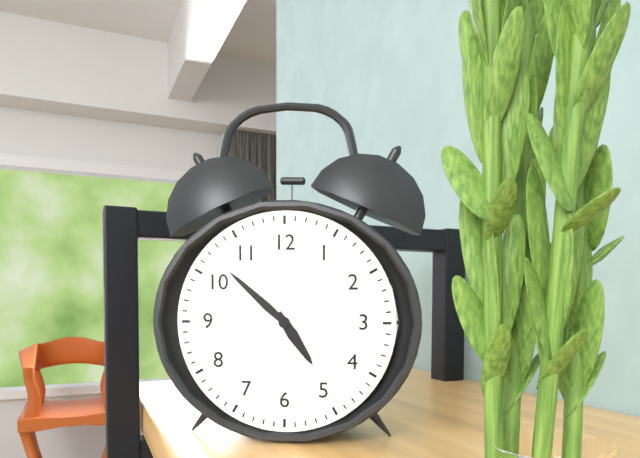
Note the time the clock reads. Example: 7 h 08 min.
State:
4 h 52 min
